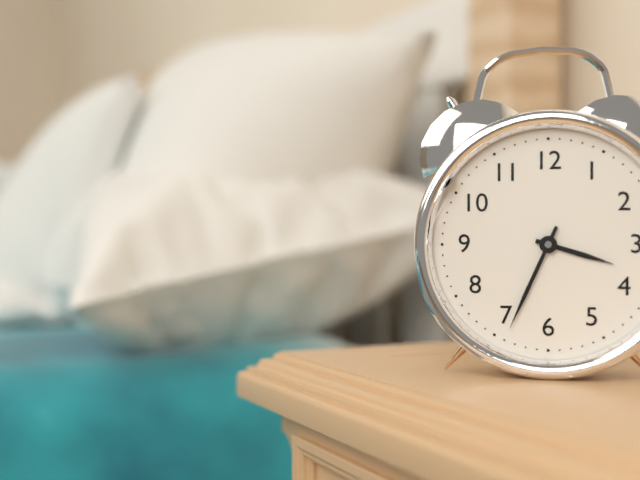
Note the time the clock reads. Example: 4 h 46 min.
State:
3 h 34 min
